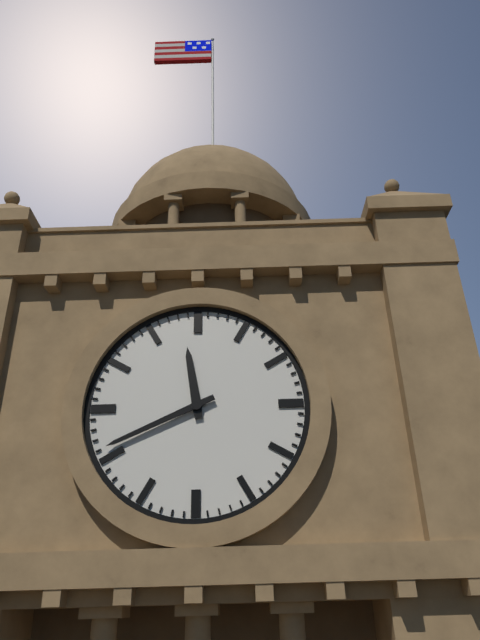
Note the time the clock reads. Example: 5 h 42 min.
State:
11 h 41 min
